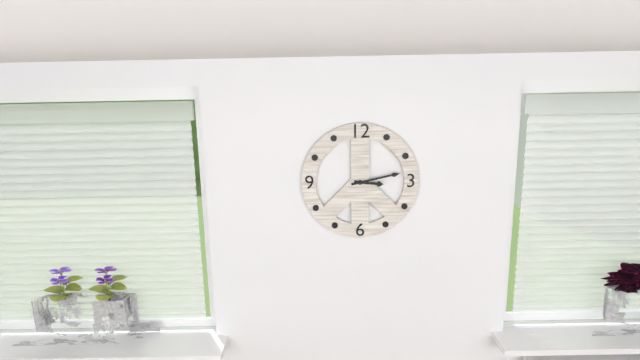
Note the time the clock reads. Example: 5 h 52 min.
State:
3 h 13 min
